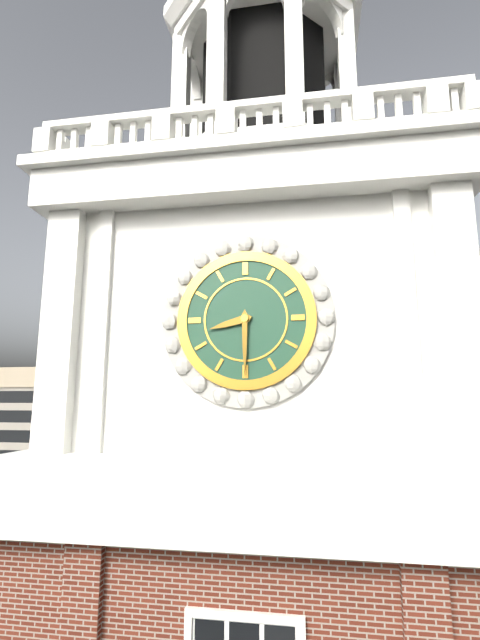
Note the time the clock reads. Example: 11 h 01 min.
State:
8 h 30 min
